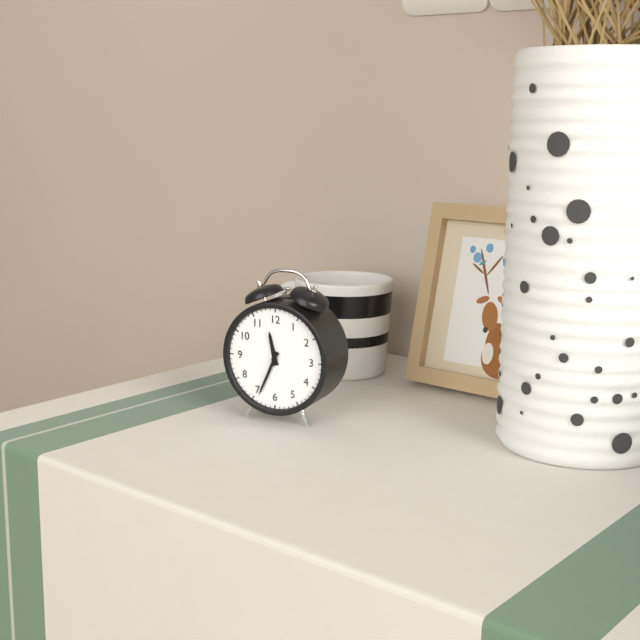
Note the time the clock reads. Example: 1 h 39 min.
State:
11 h 34 min
